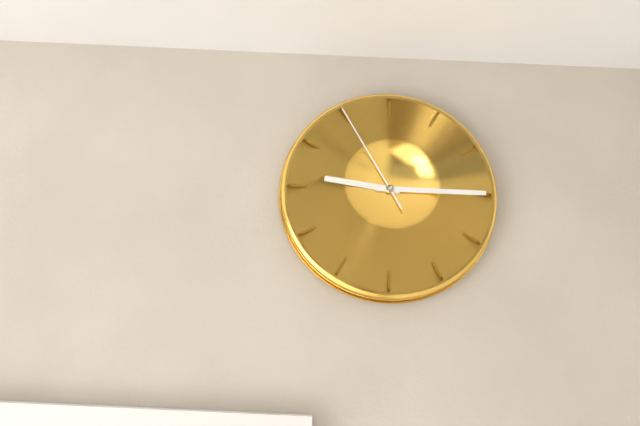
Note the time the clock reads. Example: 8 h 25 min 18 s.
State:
9 h 15 min 55 s
